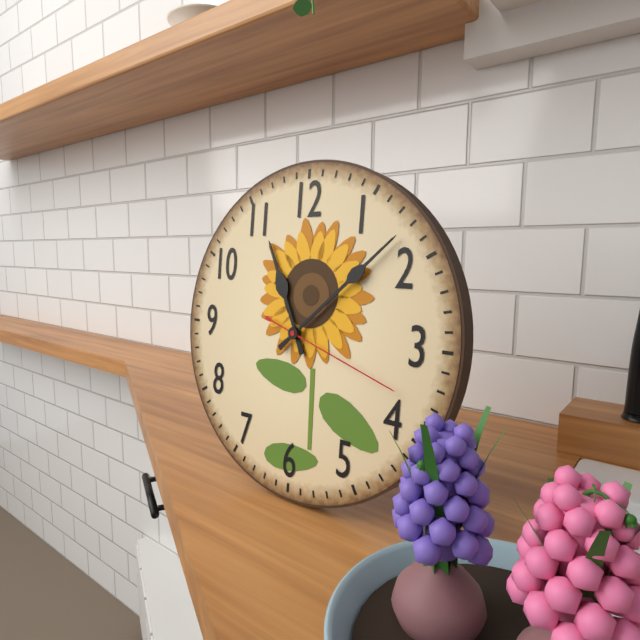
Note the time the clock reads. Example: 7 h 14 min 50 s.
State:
11 h 08 min 18 s
